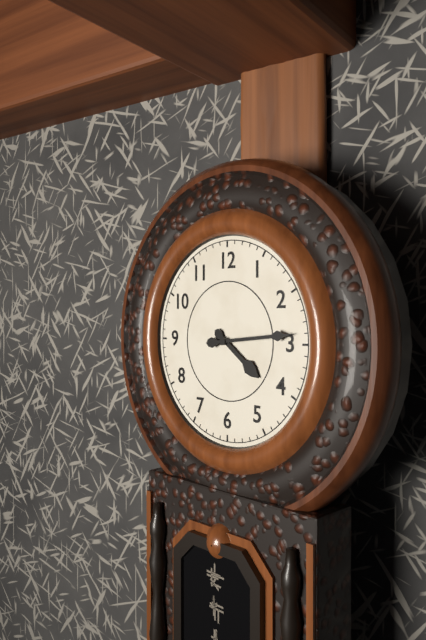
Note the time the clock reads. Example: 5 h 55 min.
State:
4 h 14 min
